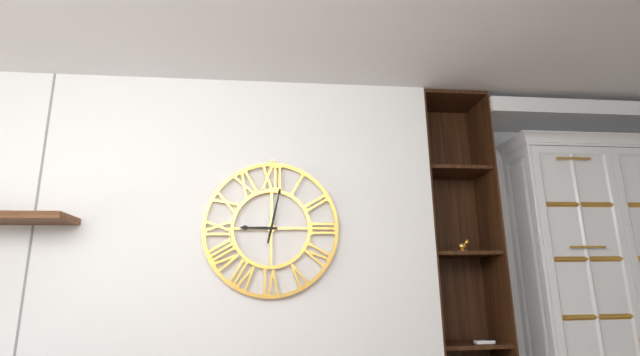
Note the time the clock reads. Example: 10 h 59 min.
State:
9 h 02 min
